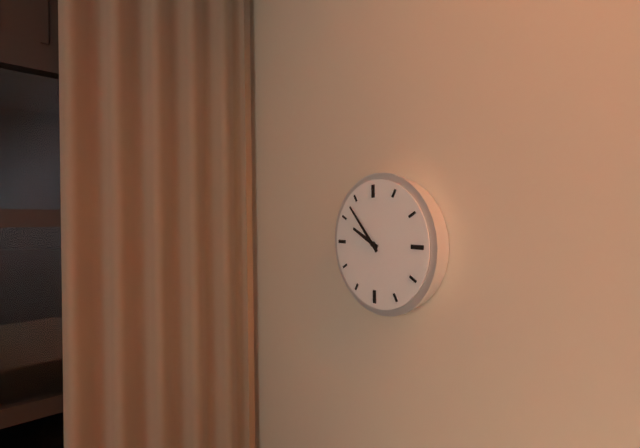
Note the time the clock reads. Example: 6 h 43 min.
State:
9 h 53 min
